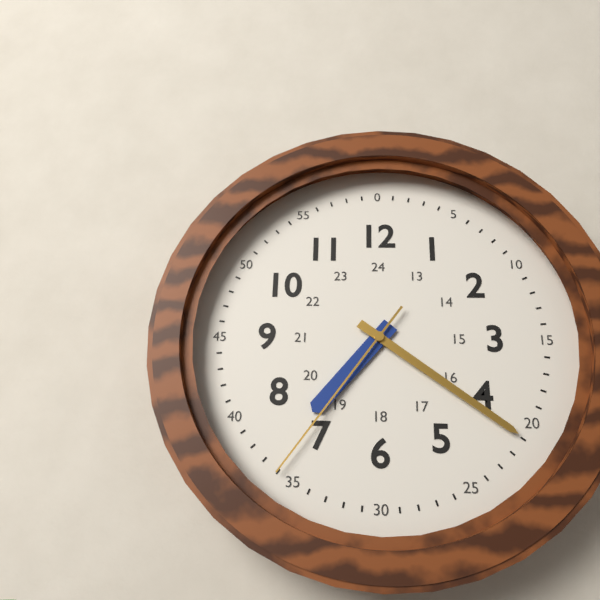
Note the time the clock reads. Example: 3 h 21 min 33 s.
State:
7 h 21 min 36 s
